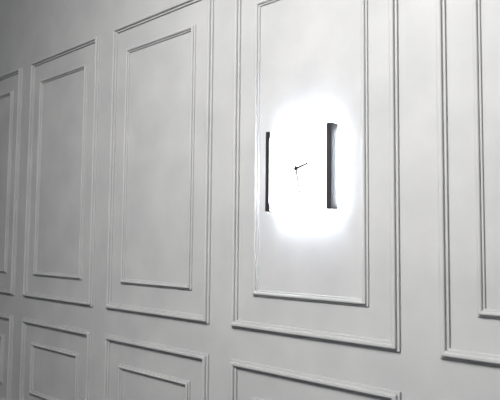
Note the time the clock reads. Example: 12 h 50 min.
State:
2 h 28 min
